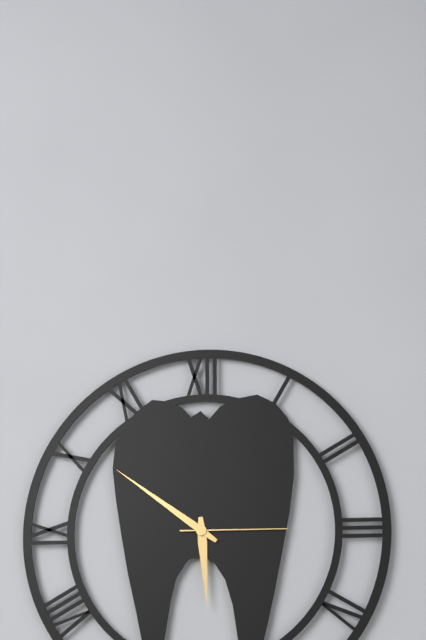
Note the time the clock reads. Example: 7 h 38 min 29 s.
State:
5 h 51 min 15 s
